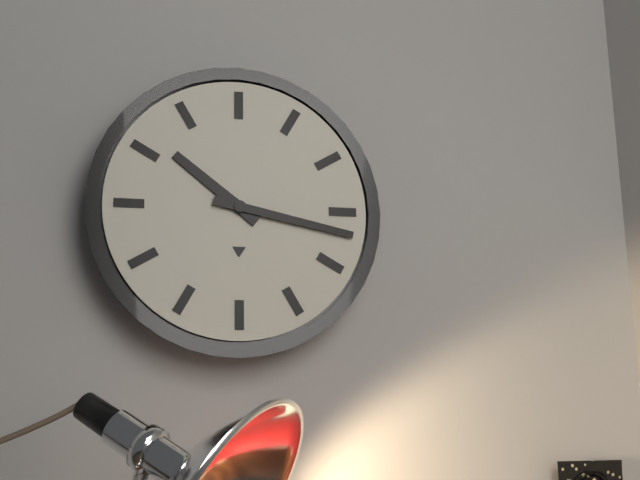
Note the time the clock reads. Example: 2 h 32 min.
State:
10 h 17 min
